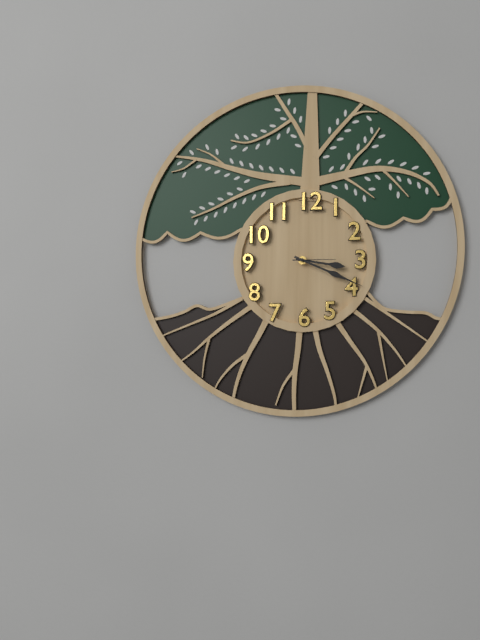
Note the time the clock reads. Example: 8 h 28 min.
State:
3 h 19 min
